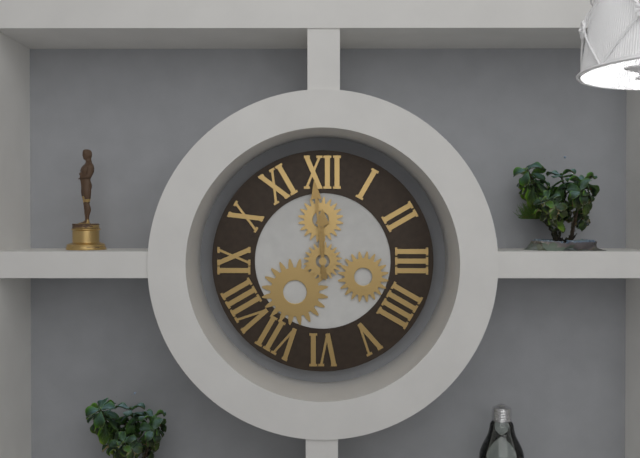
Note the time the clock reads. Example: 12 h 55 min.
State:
11 h 59 min
